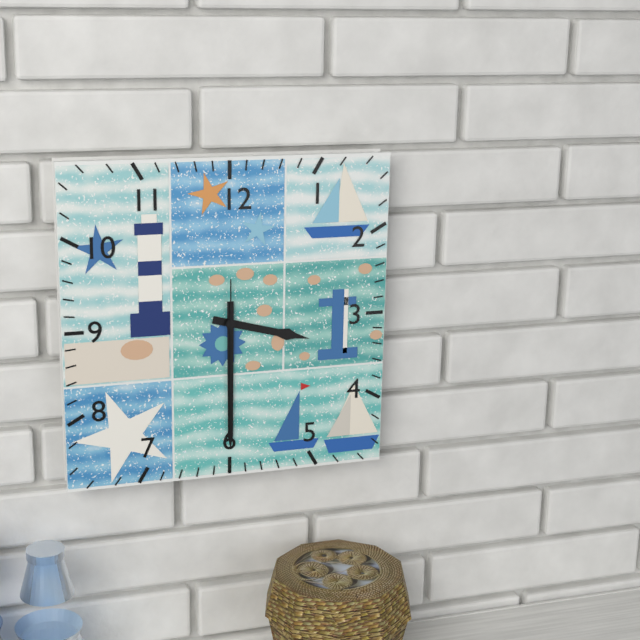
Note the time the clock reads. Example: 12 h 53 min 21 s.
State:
3 h 30 min 30 s
